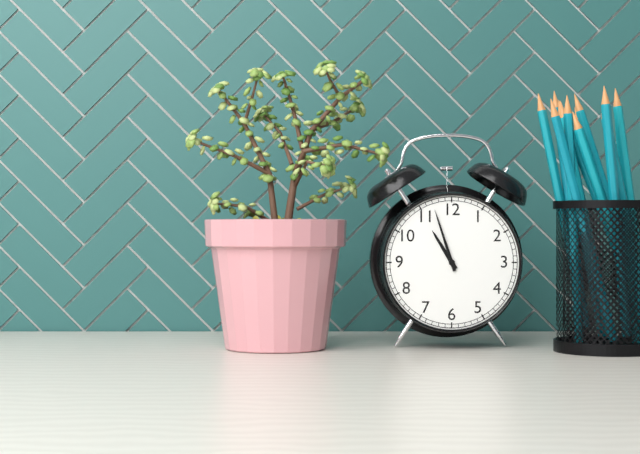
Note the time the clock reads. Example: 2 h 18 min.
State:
10 h 57 min
